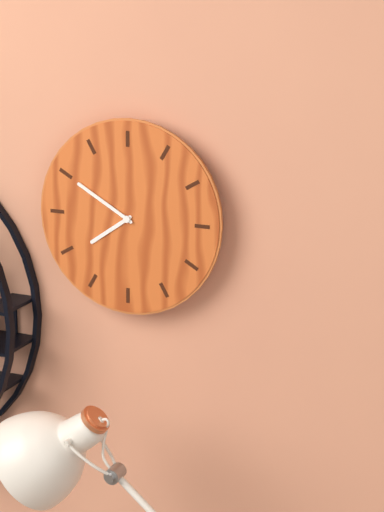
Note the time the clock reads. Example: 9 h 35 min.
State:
7 h 50 min
